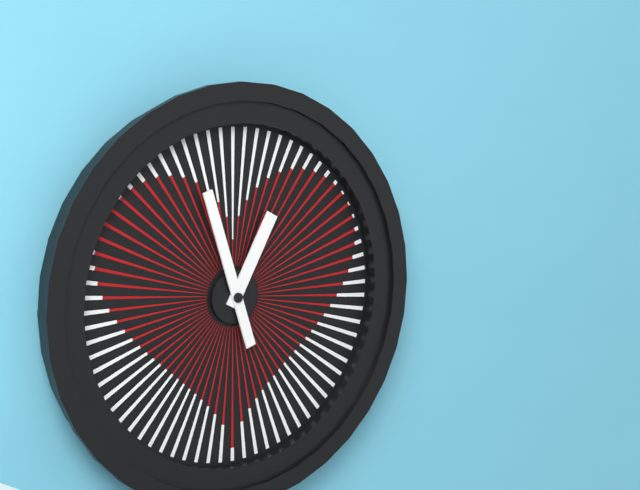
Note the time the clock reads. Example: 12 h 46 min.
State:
12 h 57 min
